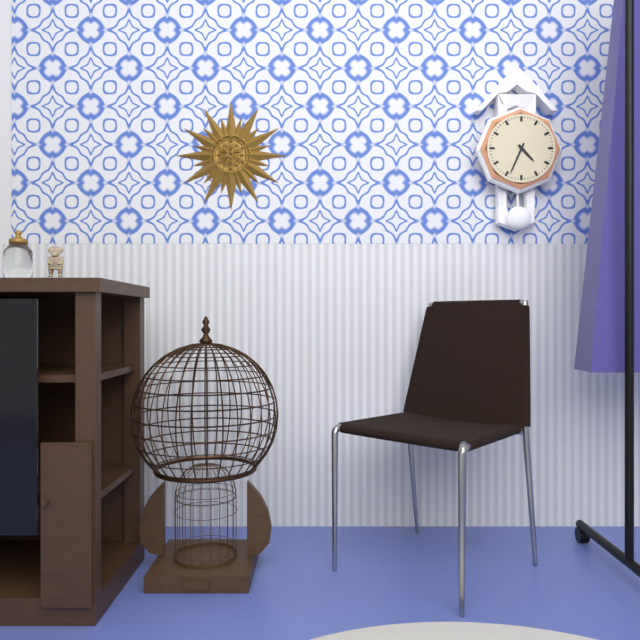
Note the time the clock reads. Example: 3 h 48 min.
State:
4 h 34 min
